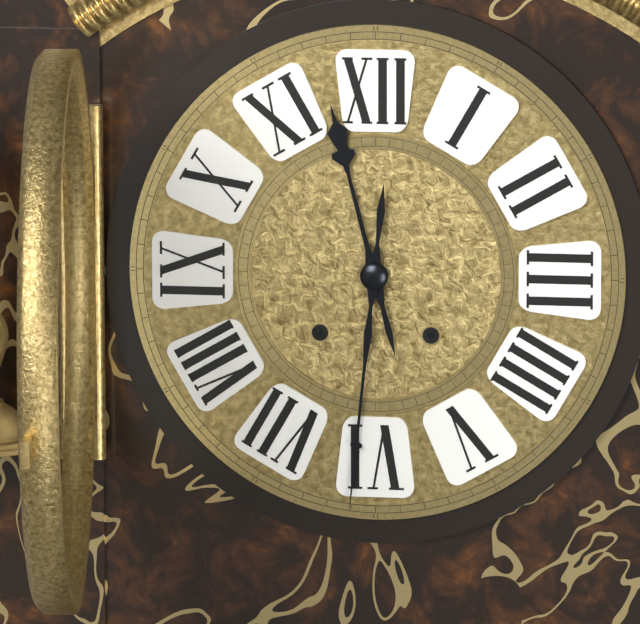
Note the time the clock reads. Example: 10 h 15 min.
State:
11 h 31 min
